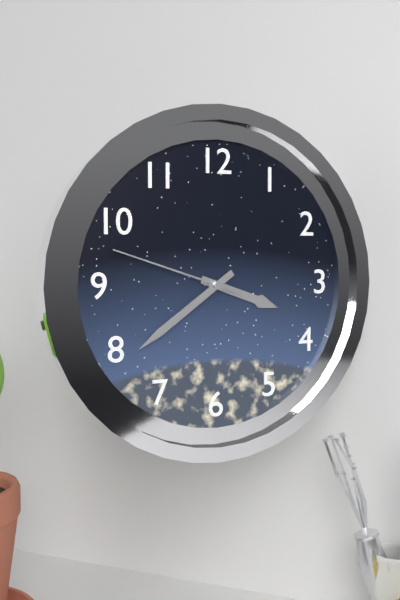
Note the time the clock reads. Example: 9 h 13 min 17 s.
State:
3 h 39 min 48 s
